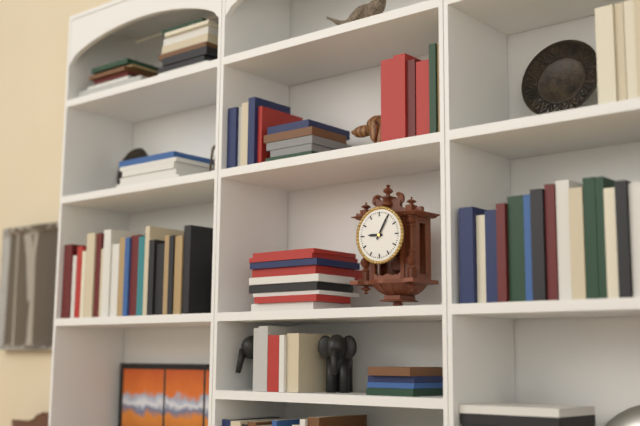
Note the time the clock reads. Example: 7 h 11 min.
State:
9 h 05 min
